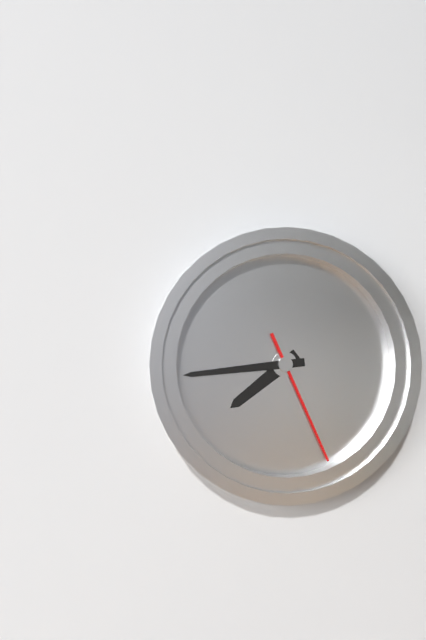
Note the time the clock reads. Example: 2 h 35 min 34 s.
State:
7 h 44 min 26 s
